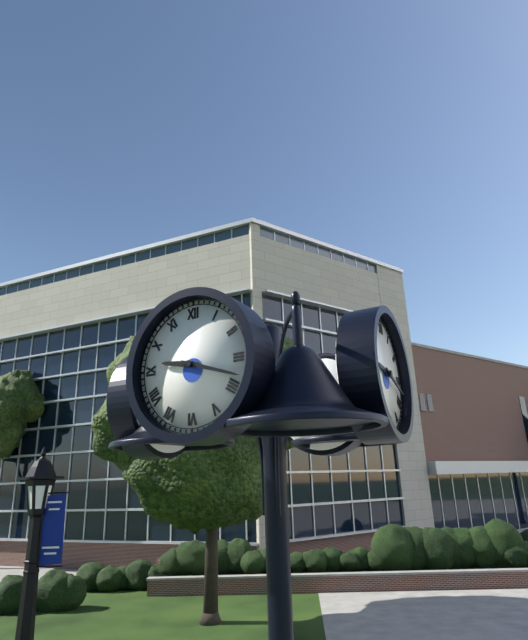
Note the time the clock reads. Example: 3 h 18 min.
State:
9 h 18 min
